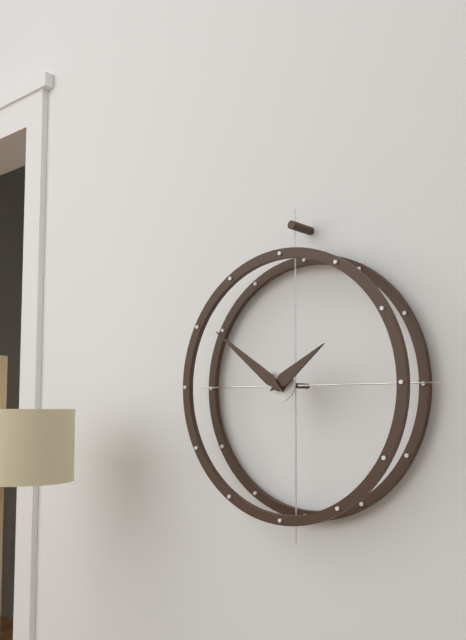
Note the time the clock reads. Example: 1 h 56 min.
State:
1 h 51 min
